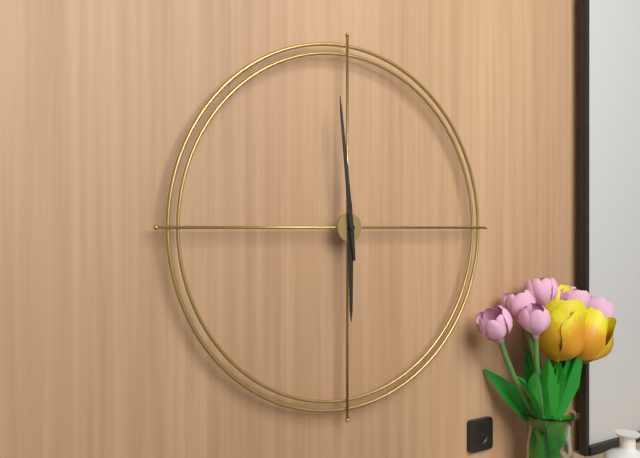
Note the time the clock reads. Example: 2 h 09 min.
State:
5 h 59 min
